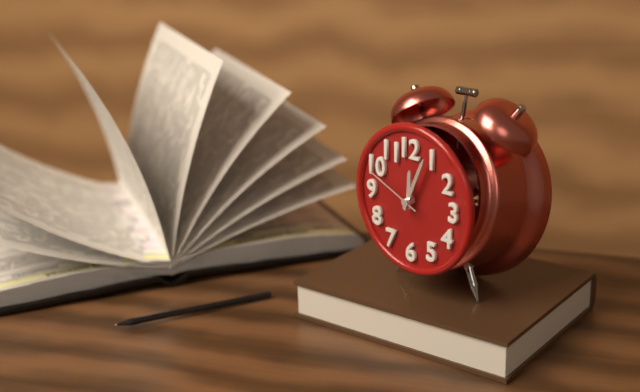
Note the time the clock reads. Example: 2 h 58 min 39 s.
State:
12 h 04 min 49 s
